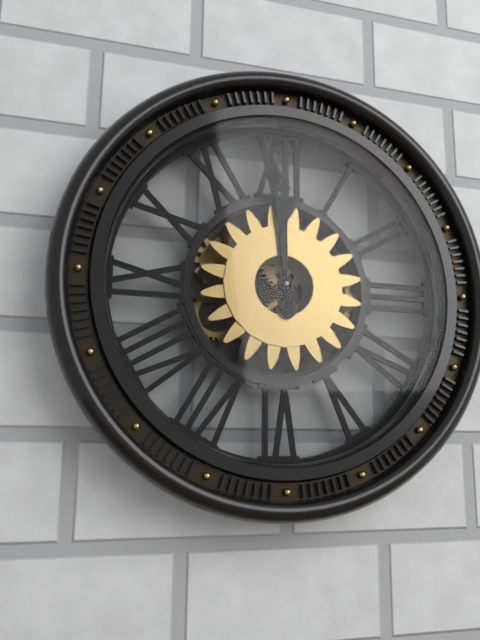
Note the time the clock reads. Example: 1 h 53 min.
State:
11 h 59 min
